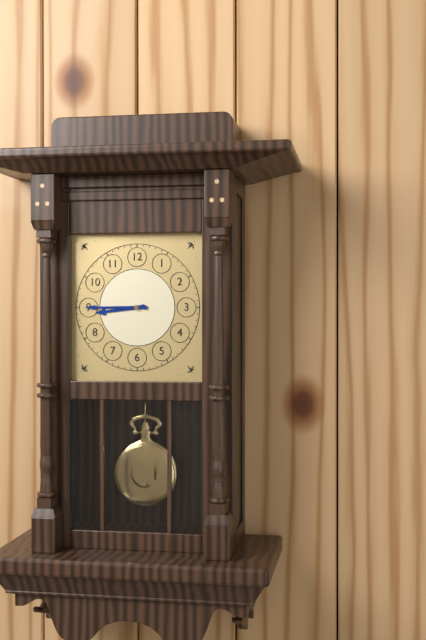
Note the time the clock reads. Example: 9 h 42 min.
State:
8 h 45 min
